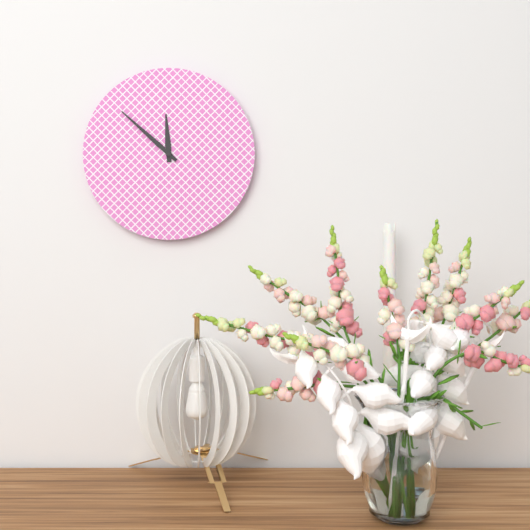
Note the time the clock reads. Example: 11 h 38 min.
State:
11 h 52 min
